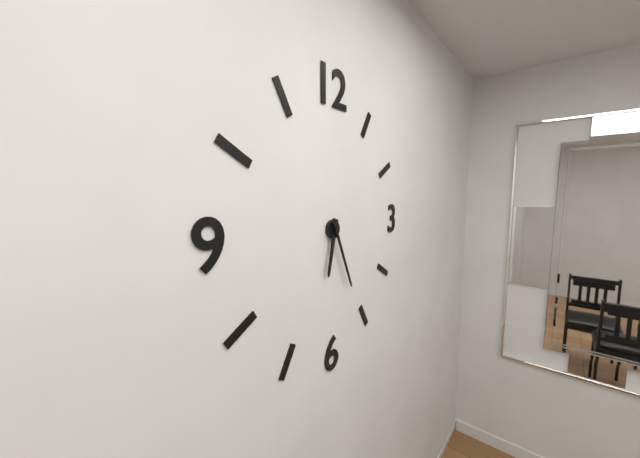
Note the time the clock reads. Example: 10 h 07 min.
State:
6 h 26 min
